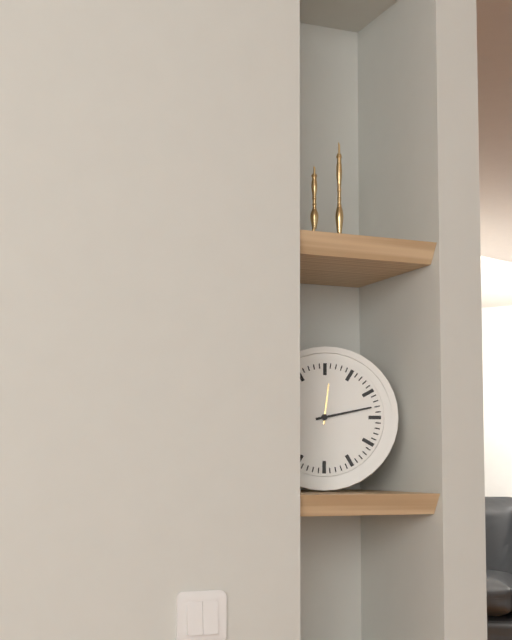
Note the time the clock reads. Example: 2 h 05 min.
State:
12 h 13 min
